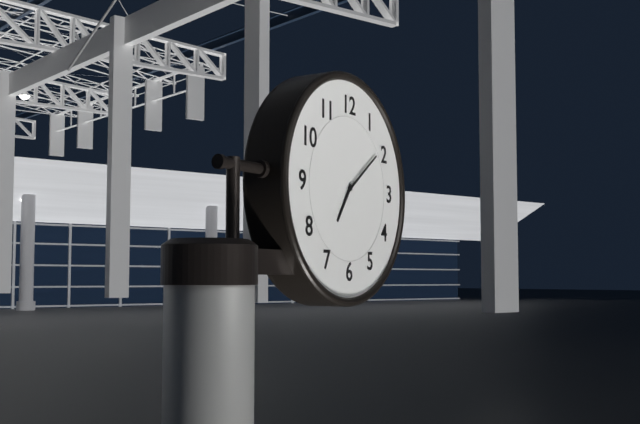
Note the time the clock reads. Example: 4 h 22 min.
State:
7 h 09 min
